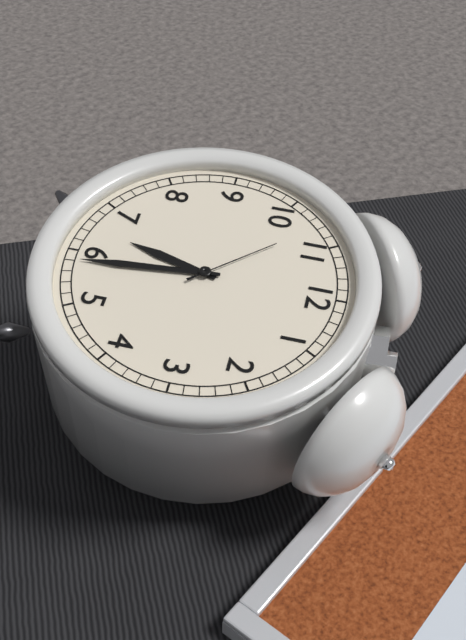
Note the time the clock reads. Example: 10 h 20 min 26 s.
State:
6 h 29 min 53 s
